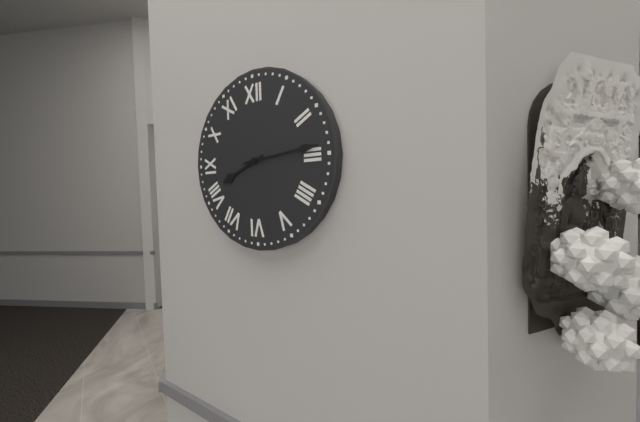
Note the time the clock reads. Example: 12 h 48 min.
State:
8 h 14 min
